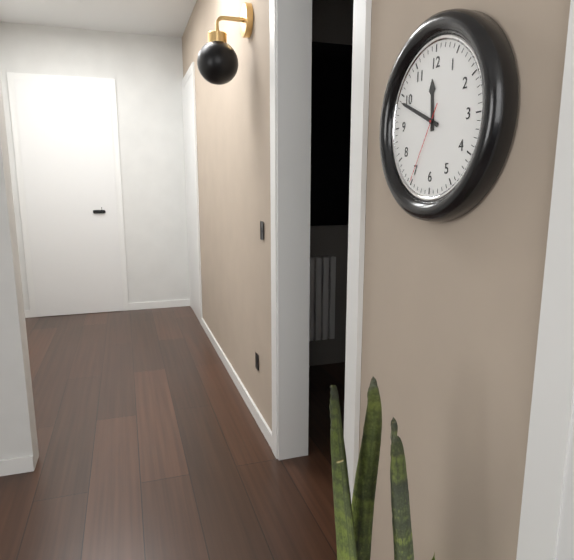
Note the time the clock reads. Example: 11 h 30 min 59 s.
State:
11 h 49 min 35 s
